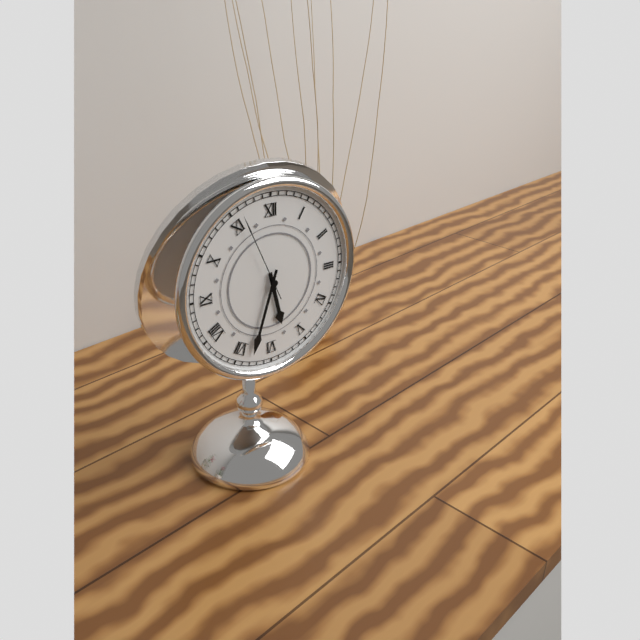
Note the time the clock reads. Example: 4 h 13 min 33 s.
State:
5 h 33 min 56 s
